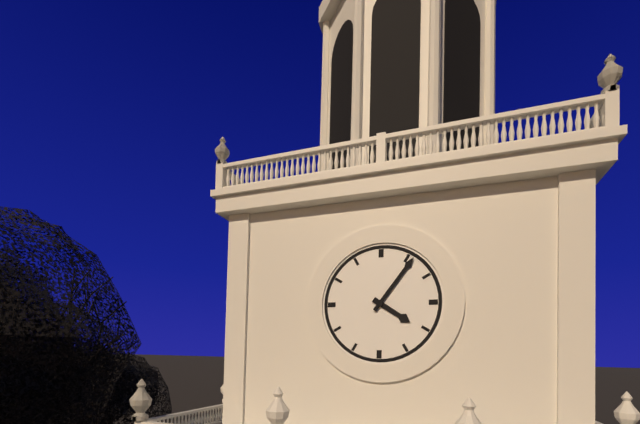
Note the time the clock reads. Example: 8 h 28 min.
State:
4 h 06 min
